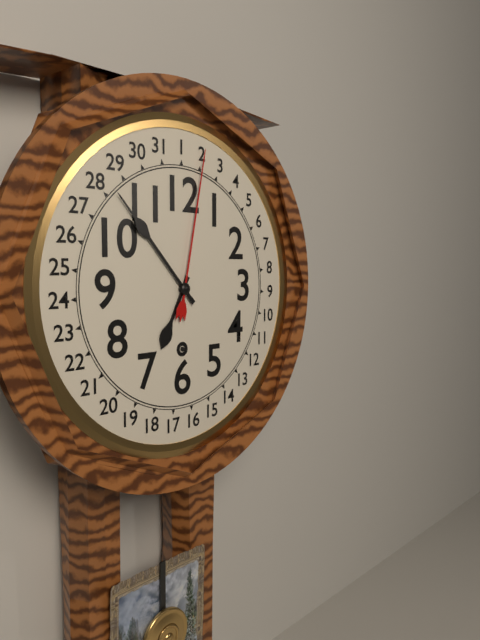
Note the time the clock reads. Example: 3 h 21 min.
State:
6 h 53 min
